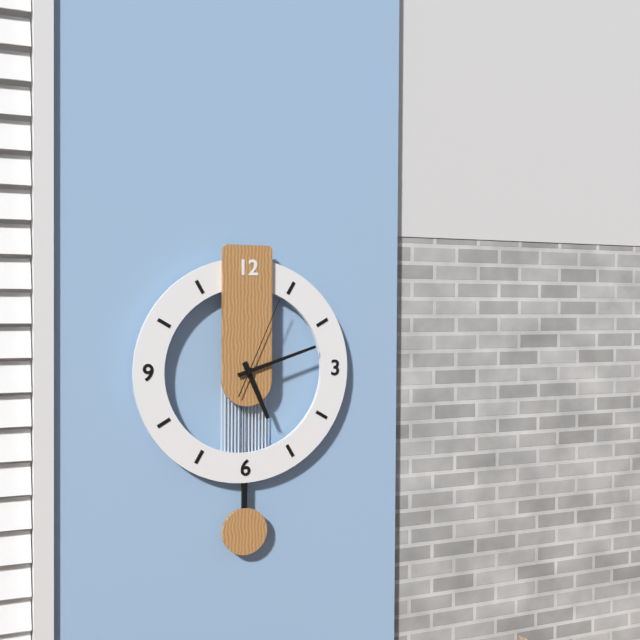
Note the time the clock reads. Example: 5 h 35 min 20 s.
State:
5 h 12 min 04 s
